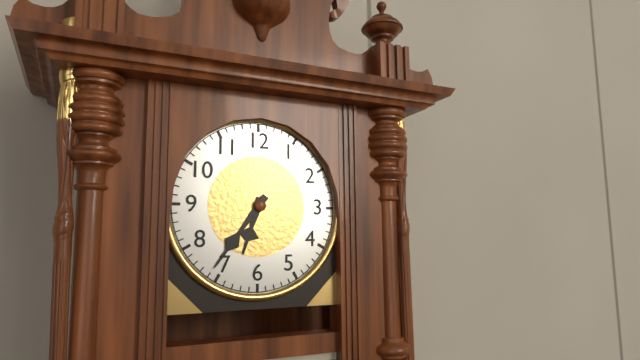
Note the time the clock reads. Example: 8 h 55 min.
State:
6 h 36 min
